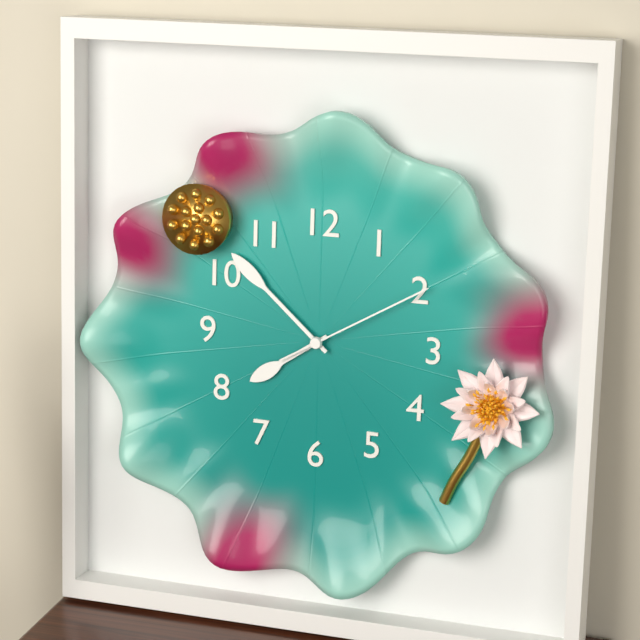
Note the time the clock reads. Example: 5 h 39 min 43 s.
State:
7 h 52 min 10 s
